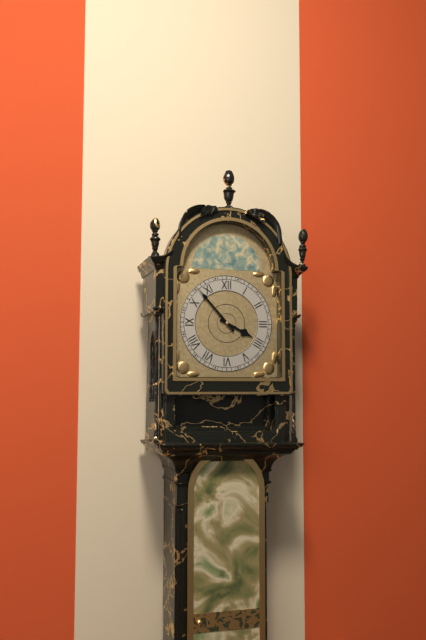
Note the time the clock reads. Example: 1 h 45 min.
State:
3 h 53 min
